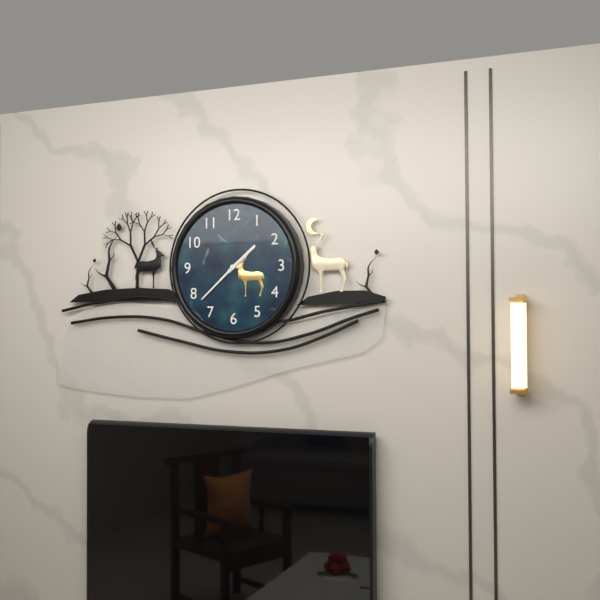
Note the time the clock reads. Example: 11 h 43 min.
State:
1 h 38 min
